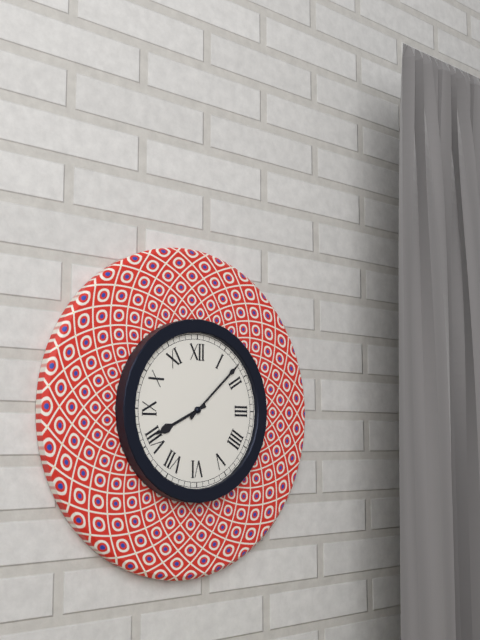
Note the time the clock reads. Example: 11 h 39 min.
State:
8 h 08 min
